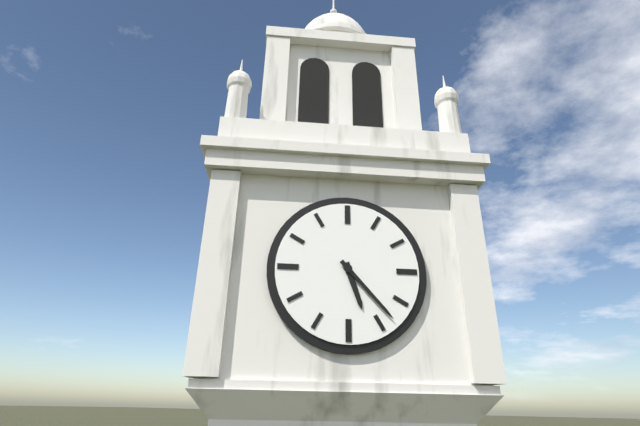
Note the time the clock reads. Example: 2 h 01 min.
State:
5 h 23 min
